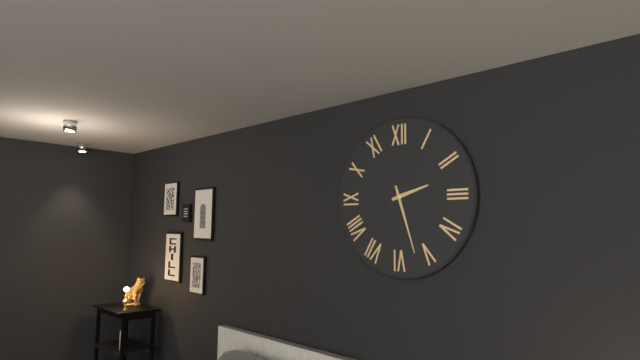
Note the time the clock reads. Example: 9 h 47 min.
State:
2 h 27 min
